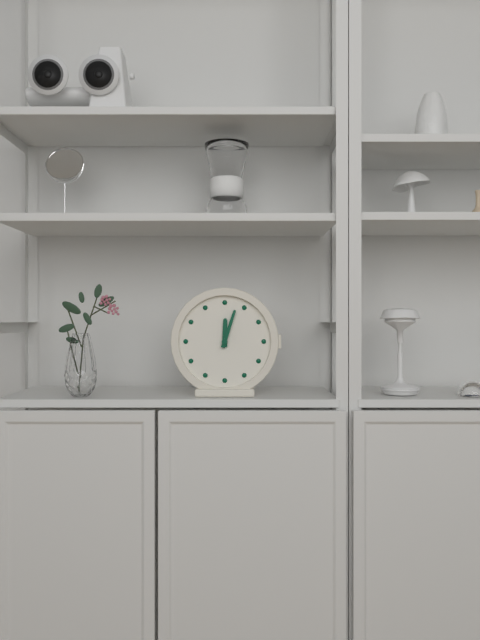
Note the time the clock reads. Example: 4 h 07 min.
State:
12 h 03 min
